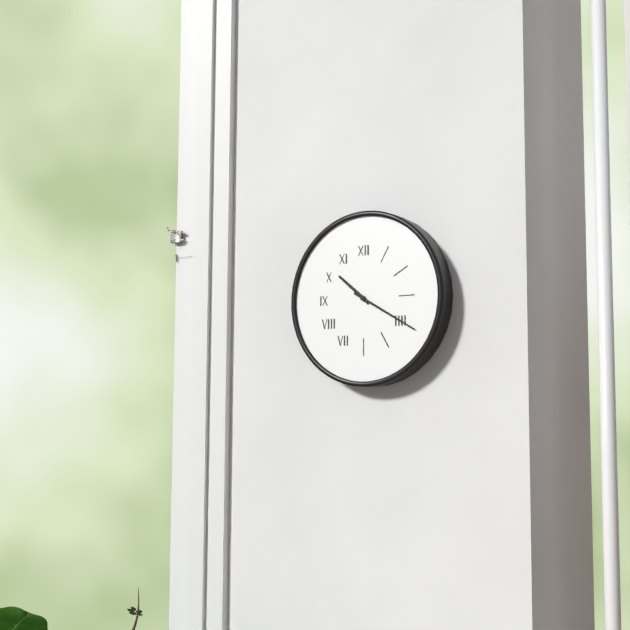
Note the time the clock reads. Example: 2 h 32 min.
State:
10 h 20 min
